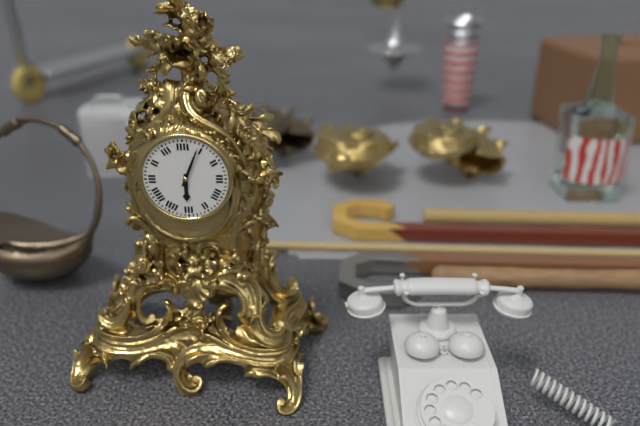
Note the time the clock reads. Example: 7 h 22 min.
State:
6 h 04 min
